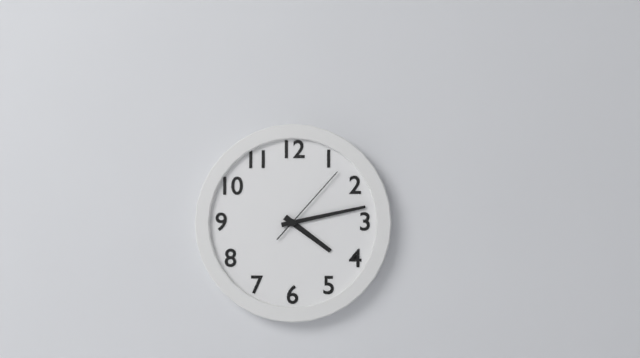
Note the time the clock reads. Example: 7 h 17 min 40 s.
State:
4 h 13 min 07 s
